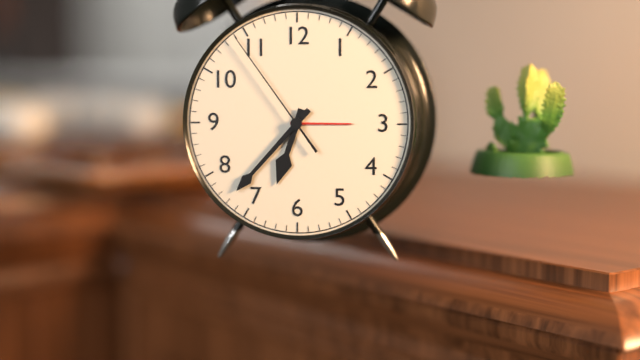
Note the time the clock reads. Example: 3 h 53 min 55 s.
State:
6 h 37 min 54 s
